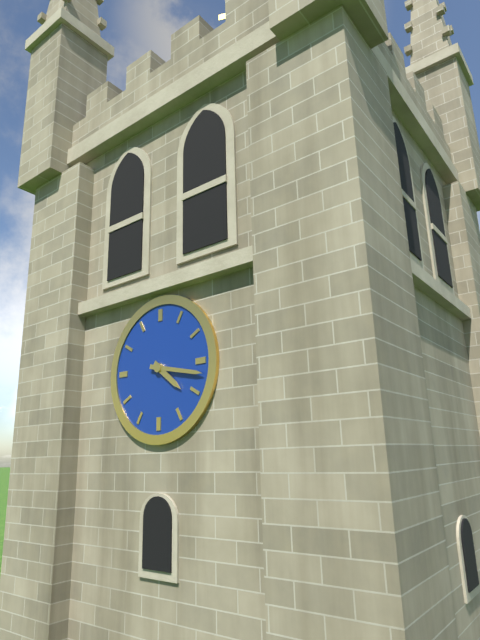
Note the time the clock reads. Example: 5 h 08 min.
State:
4 h 17 min
